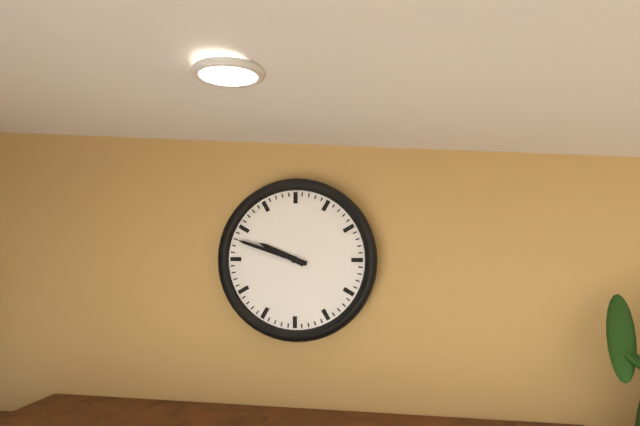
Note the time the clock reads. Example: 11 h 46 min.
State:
9 h 48 min
